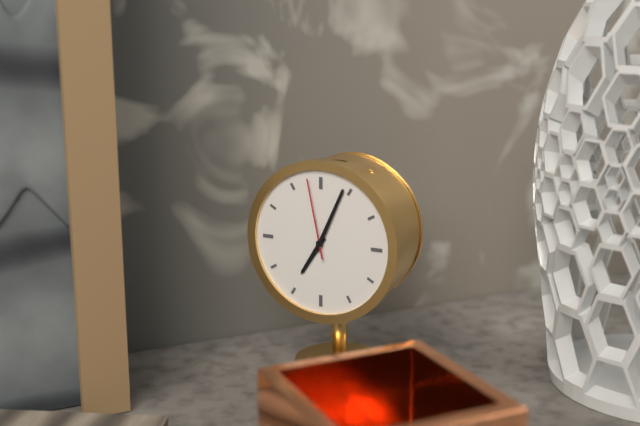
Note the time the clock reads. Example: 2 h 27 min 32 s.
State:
7 h 04 min 58 s
